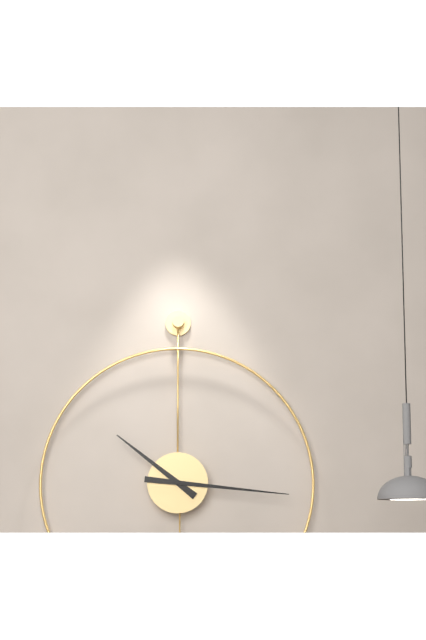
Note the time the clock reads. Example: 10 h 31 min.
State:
10 h 16 min
